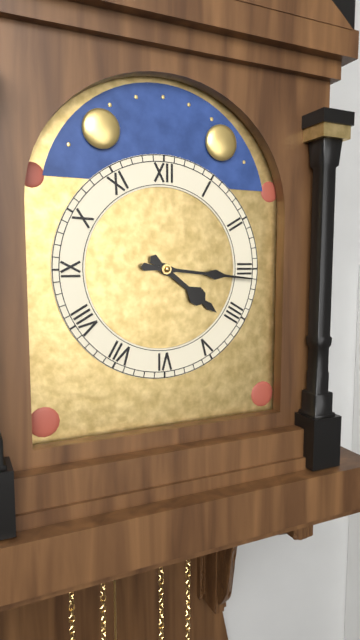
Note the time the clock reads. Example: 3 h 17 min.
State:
4 h 16 min
